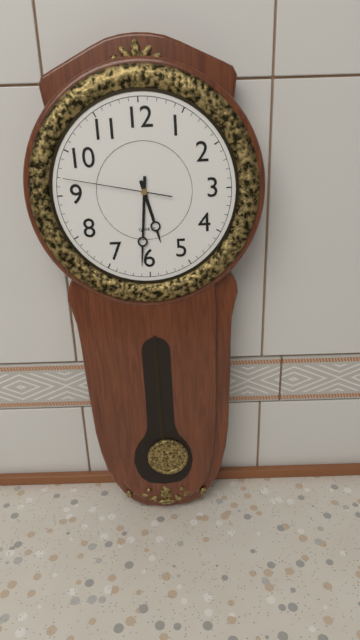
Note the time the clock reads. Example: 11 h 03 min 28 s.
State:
5 h 31 min 47 s
